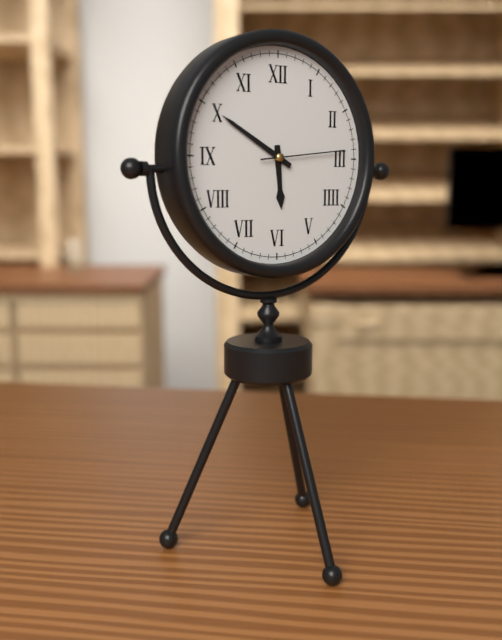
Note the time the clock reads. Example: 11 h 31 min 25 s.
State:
5 h 50 min 14 s
